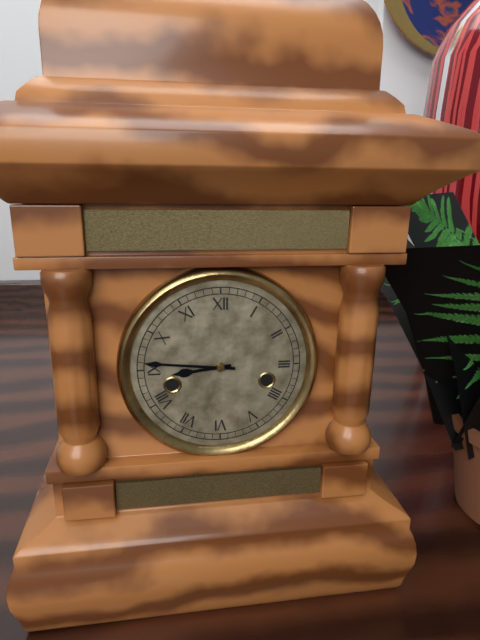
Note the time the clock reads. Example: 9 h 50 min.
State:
8 h 46 min
